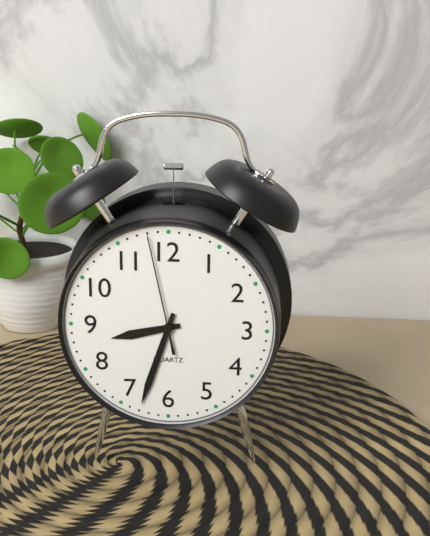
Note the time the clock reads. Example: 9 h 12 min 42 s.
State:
8 h 33 min 58 s
